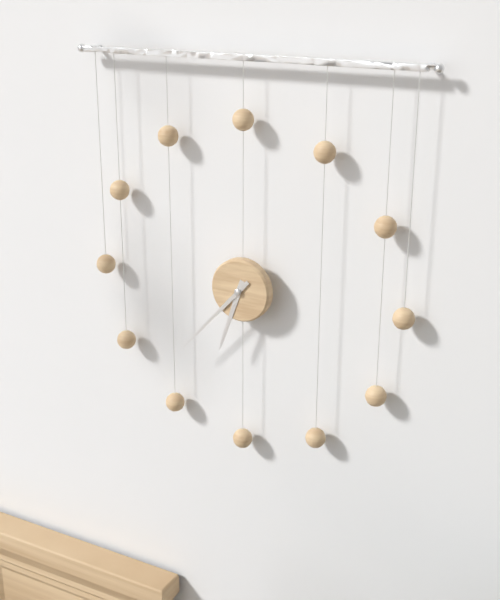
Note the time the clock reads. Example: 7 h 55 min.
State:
6 h 37 min
